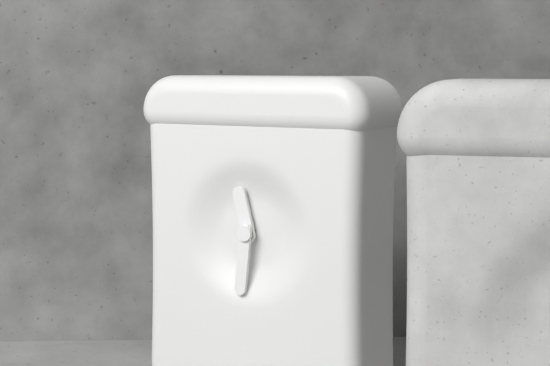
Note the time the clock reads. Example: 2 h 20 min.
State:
11 h 31 min
